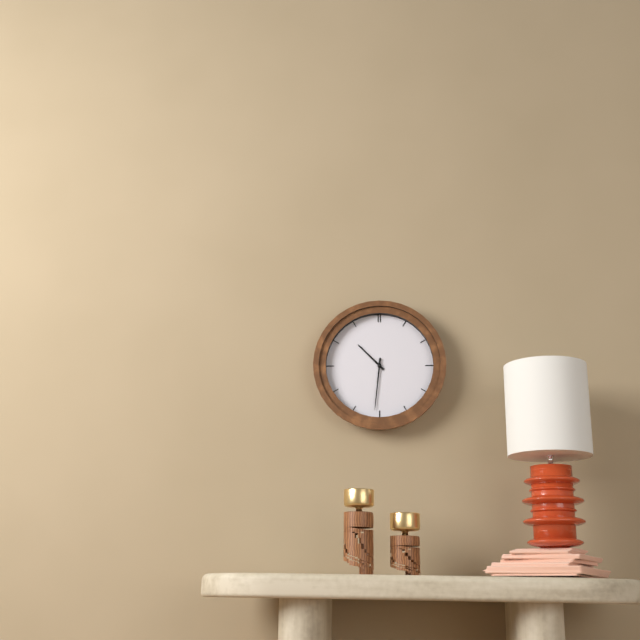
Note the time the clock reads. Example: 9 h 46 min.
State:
10 h 31 min
